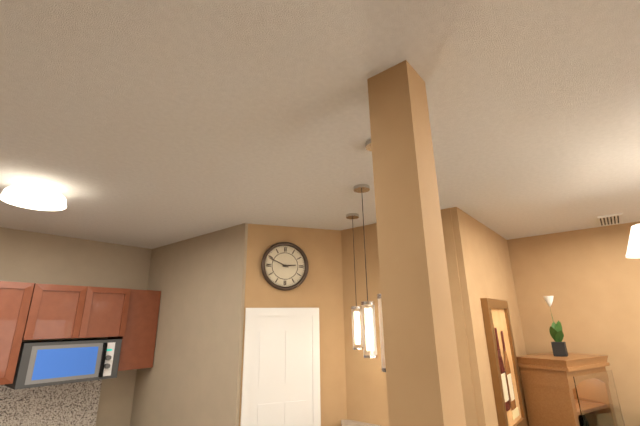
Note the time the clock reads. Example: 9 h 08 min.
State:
2 h 49 min
